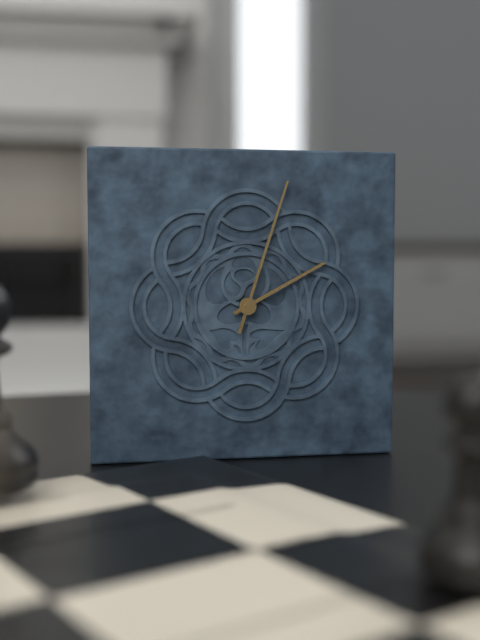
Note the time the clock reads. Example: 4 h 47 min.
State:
2 h 03 min
